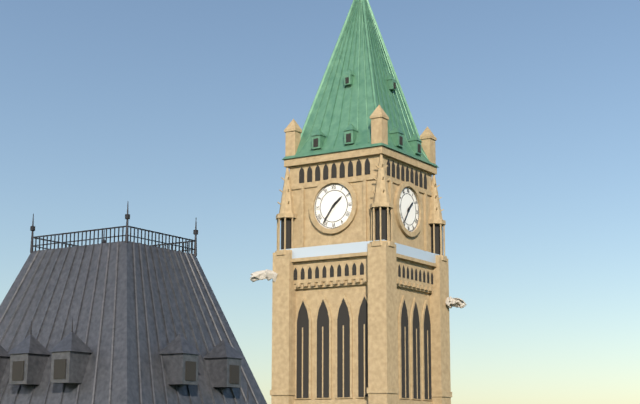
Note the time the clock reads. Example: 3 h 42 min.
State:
1 h 36 min
